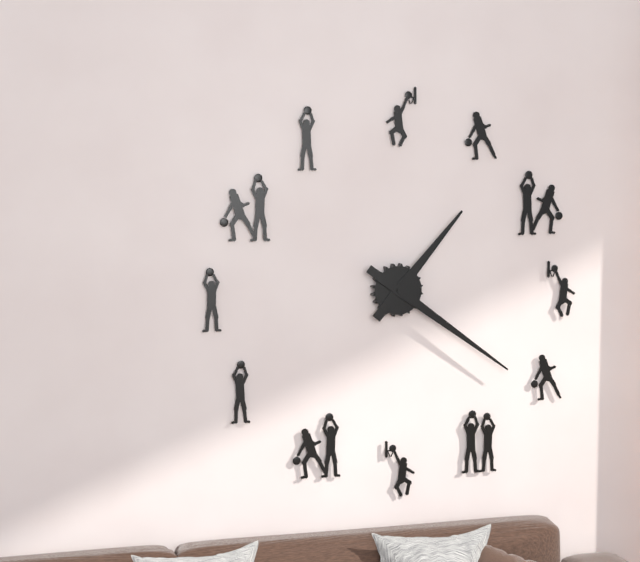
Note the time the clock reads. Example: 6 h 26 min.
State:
1 h 21 min
